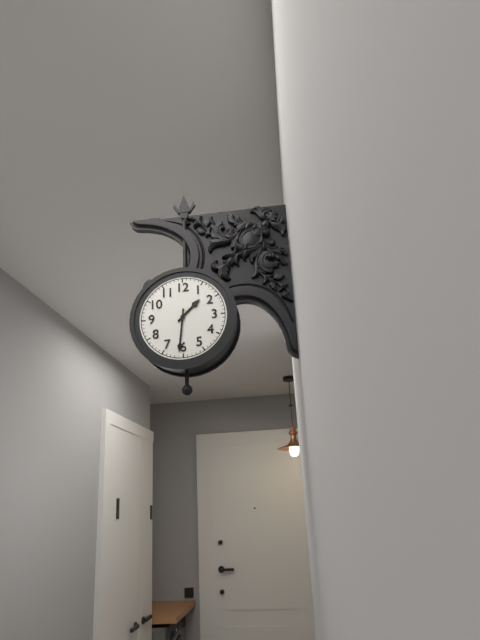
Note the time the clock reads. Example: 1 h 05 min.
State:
1 h 31 min
